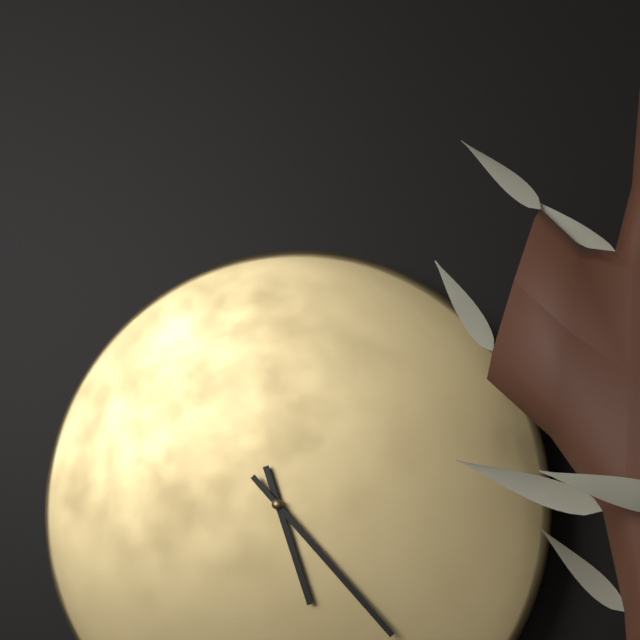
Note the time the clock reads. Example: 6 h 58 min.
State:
5 h 23 min
